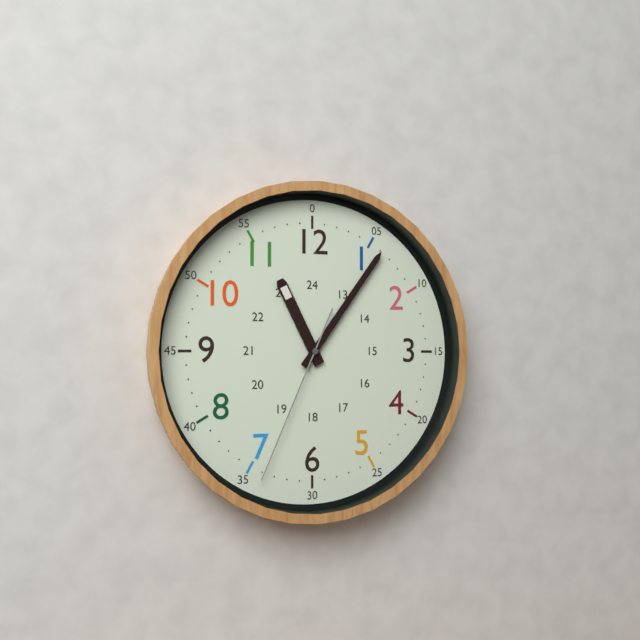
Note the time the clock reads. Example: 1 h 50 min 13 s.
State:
11 h 06 min 34 s
